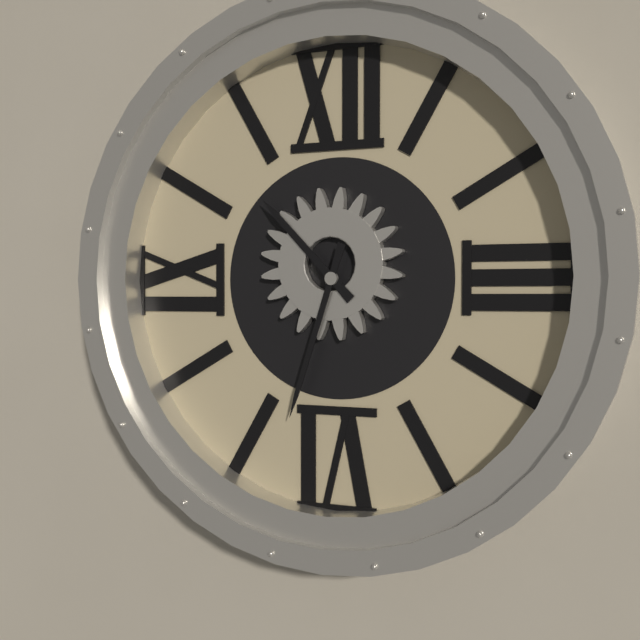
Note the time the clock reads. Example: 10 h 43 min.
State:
10 h 33 min
